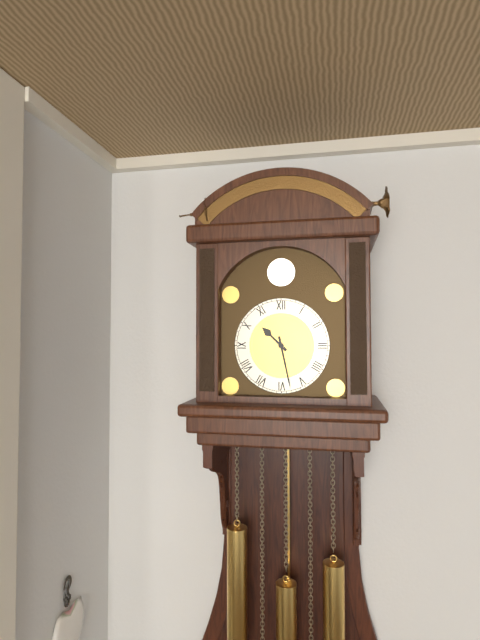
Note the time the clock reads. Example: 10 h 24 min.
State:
10 h 28 min
